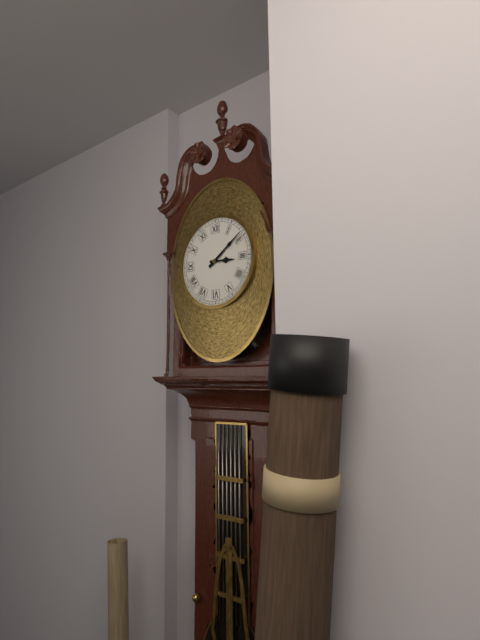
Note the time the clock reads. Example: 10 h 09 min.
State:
3 h 09 min
